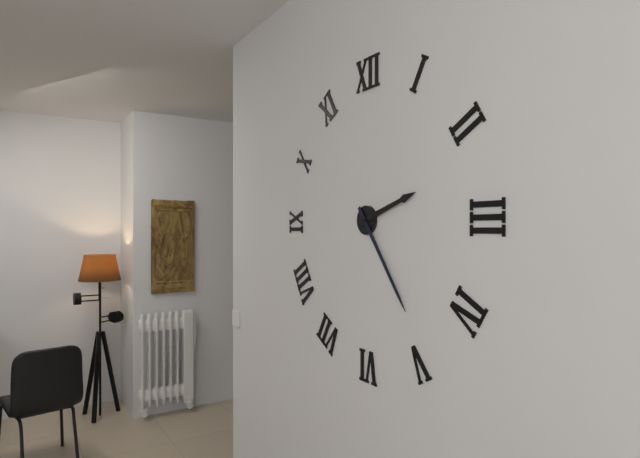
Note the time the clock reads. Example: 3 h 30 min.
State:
2 h 24 min
